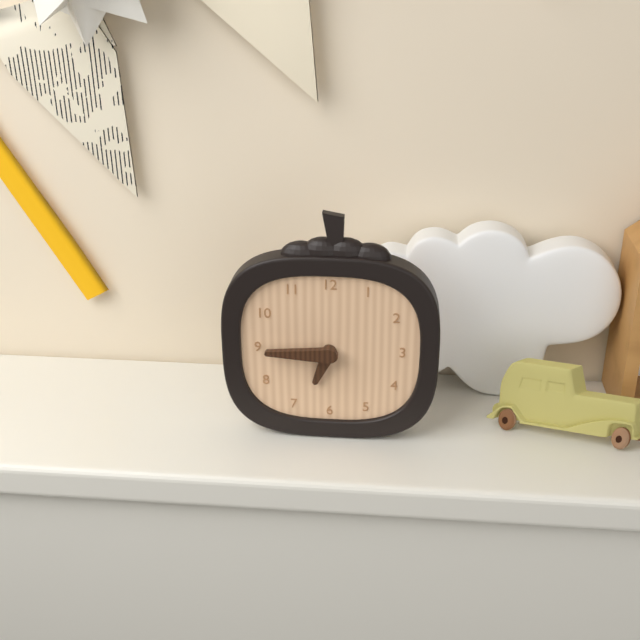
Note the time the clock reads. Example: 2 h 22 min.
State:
6 h 45 min
